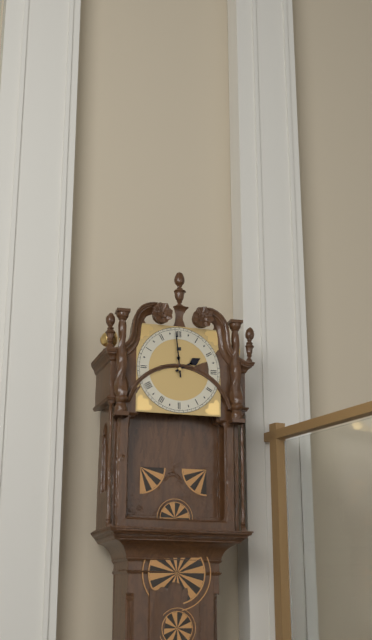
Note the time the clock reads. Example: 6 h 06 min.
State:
1 h 59 min
